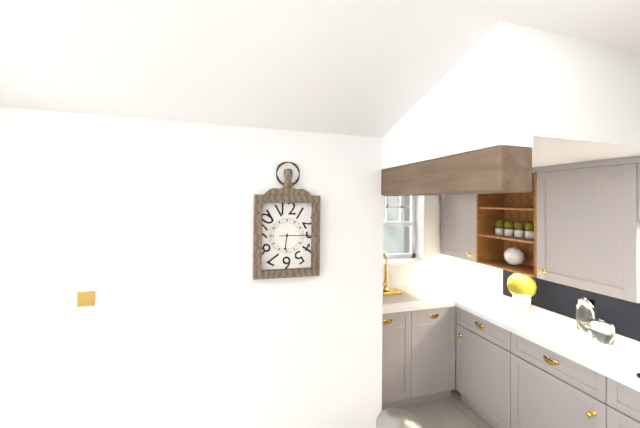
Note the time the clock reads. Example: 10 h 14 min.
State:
6 h 15 min
